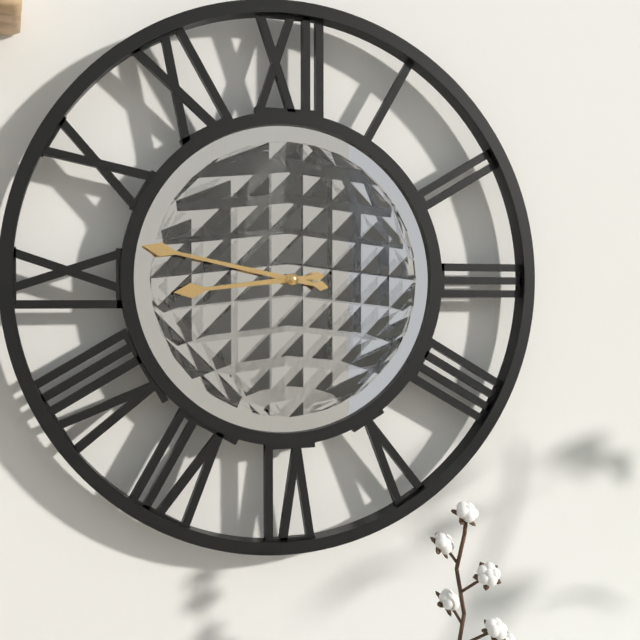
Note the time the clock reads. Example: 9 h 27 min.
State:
8 h 47 min
